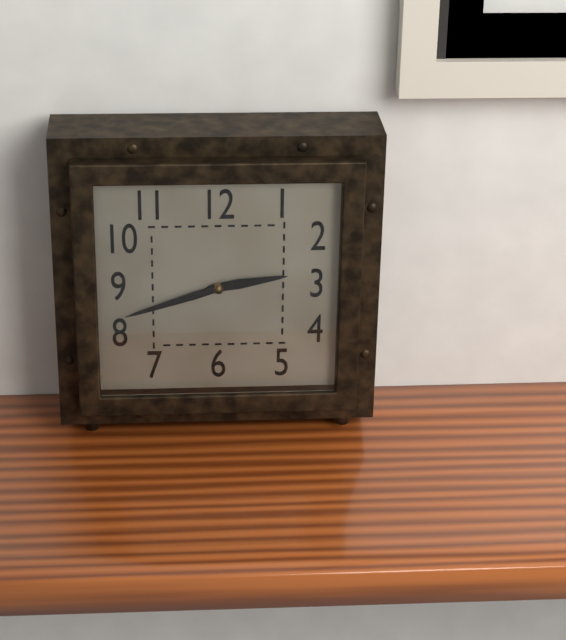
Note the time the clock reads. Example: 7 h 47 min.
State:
2 h 42 min
